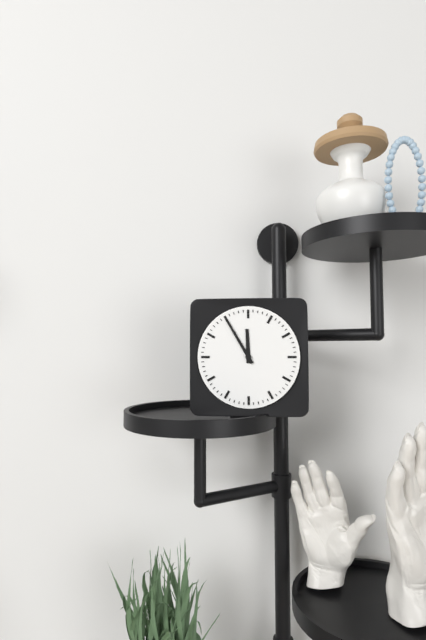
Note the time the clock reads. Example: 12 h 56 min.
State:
11 h 55 min
